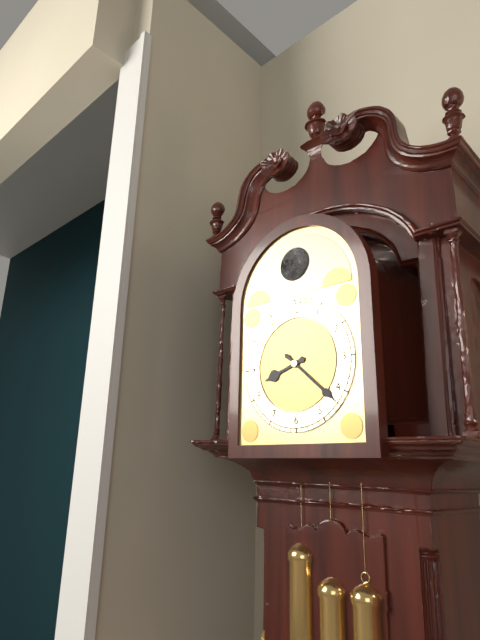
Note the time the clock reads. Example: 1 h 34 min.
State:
8 h 22 min
